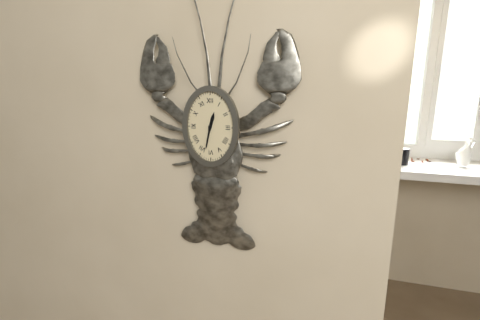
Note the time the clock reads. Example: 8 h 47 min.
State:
12 h 32 min
